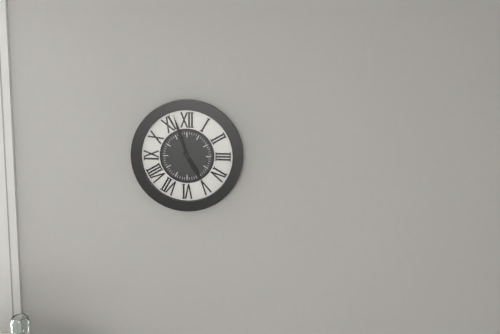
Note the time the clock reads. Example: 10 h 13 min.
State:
4 h 57 min
